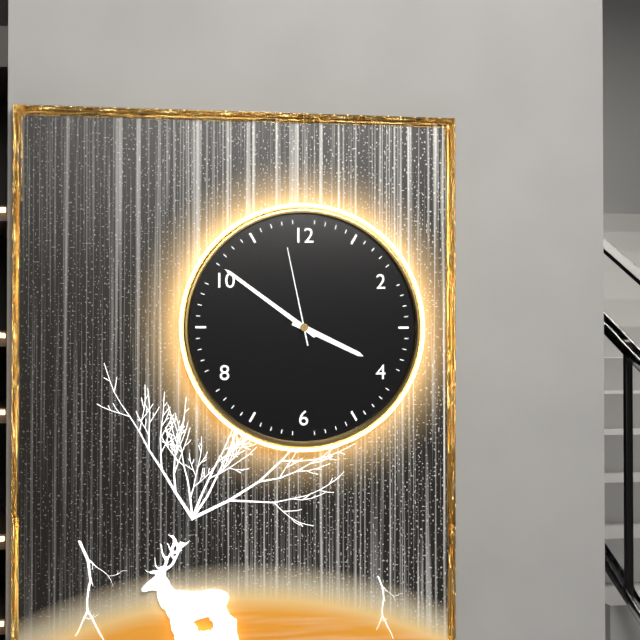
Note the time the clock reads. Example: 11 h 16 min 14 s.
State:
3 h 51 min 58 s
